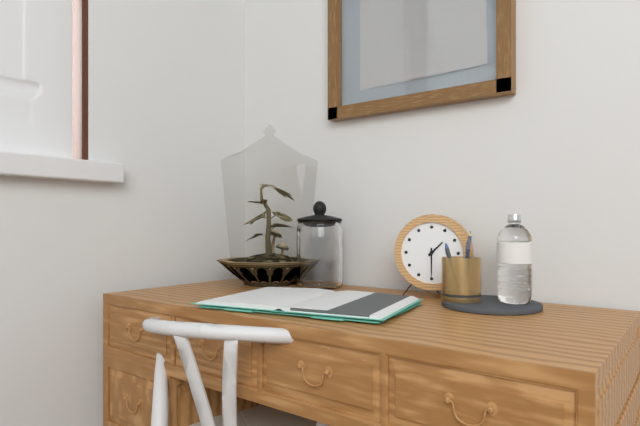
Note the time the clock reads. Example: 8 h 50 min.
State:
1 h 30 min
